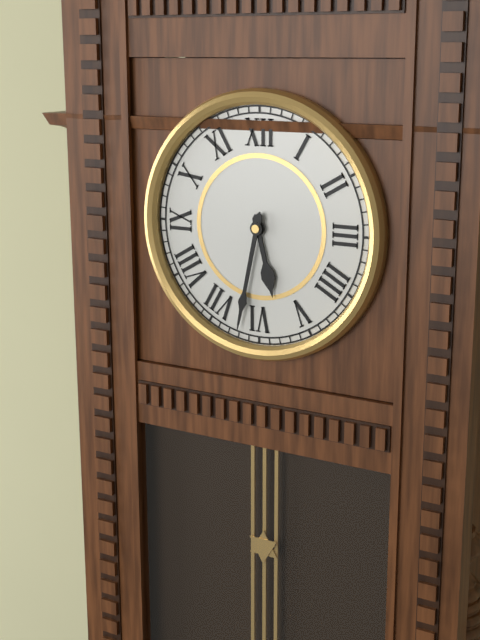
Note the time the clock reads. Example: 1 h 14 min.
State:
5 h 32 min
